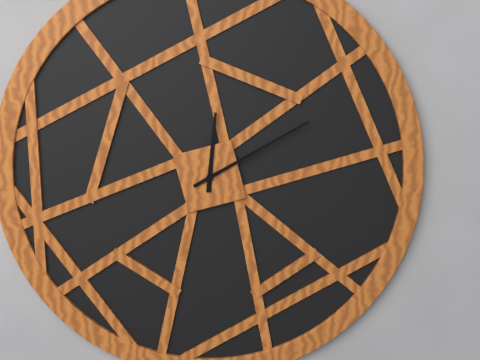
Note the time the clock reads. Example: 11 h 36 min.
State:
12 h 10 min
